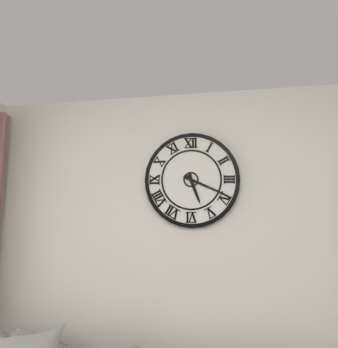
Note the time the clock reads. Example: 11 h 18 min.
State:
5 h 19 min
